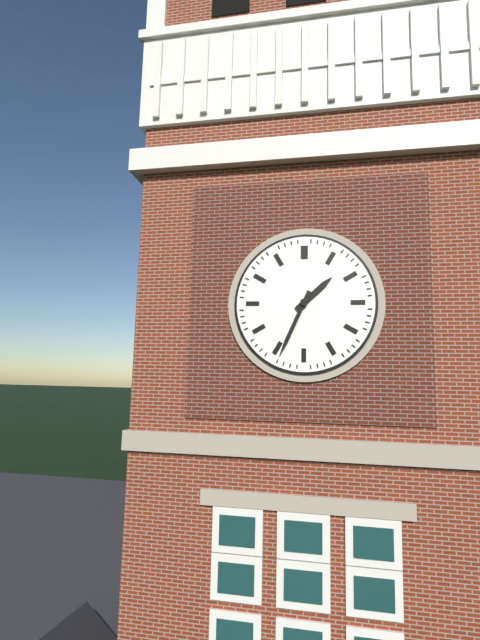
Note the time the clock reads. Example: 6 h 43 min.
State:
1 h 34 min
